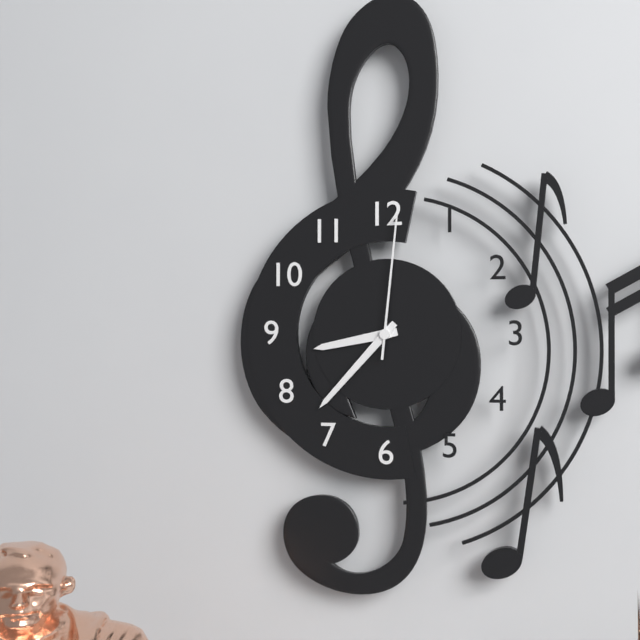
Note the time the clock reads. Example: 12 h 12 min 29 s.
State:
8 h 37 min 01 s
